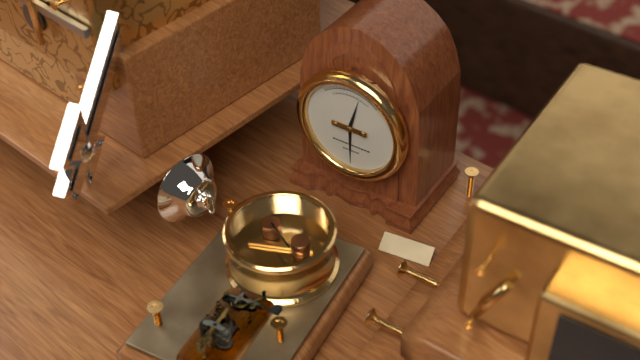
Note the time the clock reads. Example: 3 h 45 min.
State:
12 h 30 min
